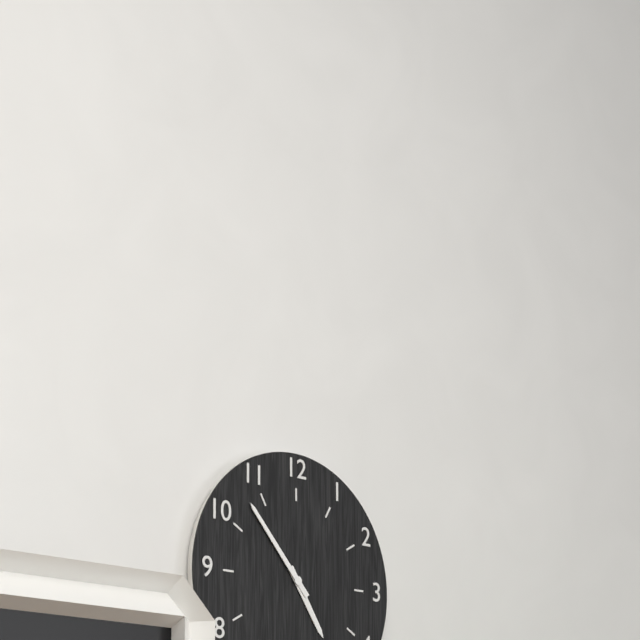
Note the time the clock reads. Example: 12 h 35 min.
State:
4 h 53 min
